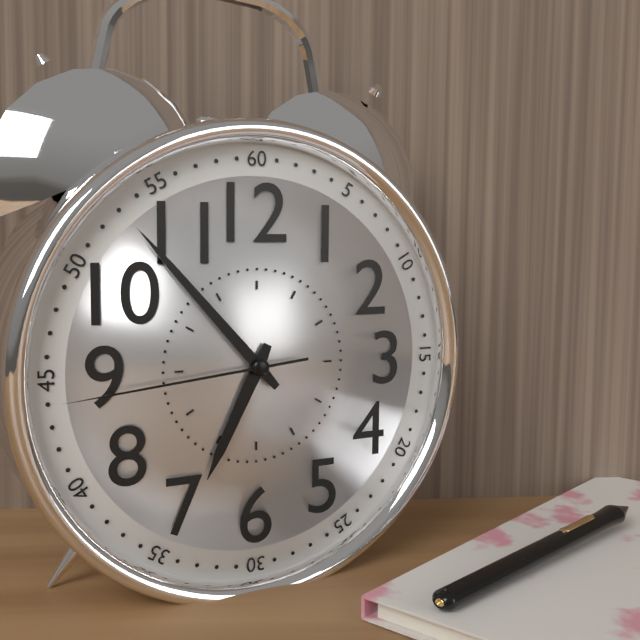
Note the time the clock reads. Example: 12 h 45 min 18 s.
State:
6 h 53 min 44 s
